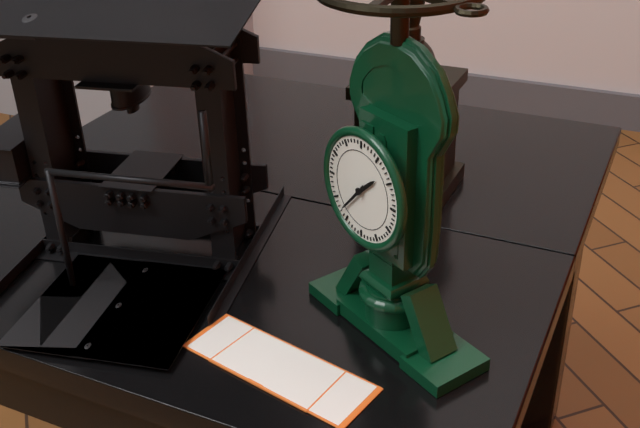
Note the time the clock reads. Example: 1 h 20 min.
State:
1 h 37 min
